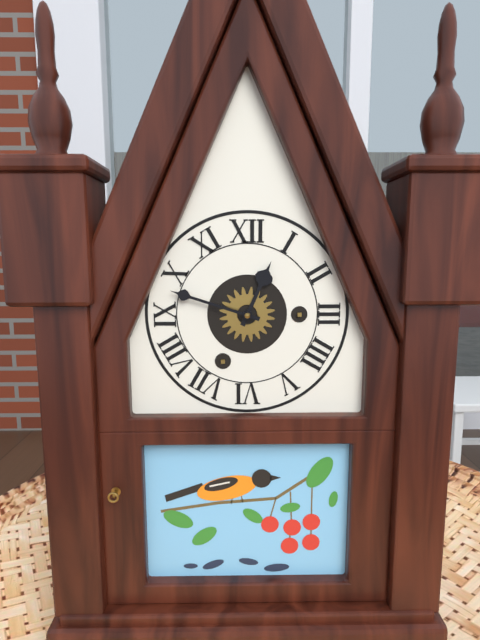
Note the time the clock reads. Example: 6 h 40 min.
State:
12 h 48 min
